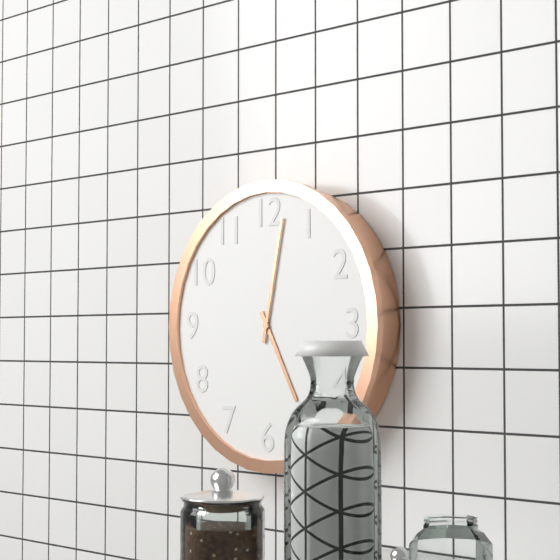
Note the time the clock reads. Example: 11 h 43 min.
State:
5 h 02 min
